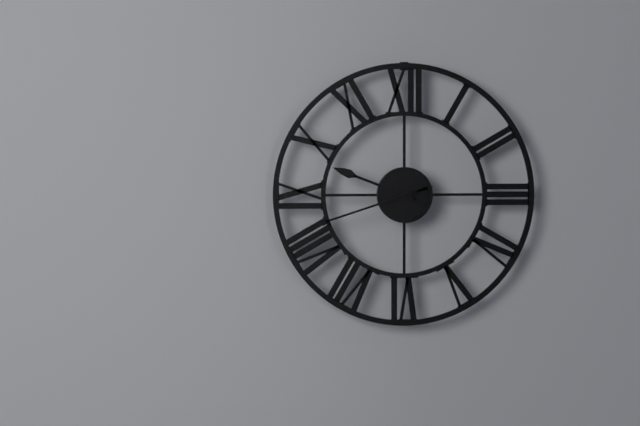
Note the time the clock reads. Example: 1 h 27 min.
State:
9 h 42 min
